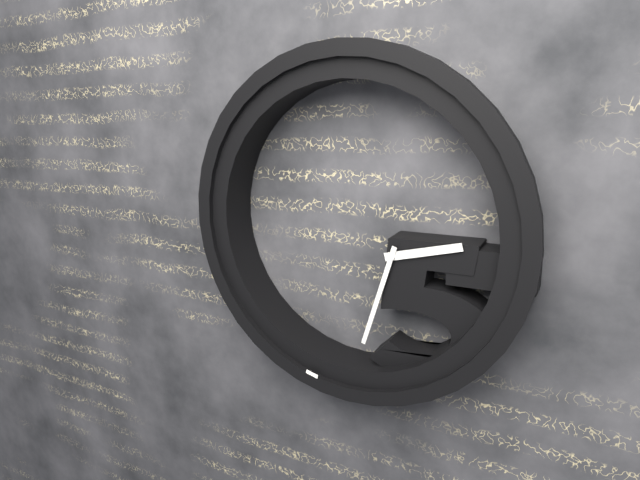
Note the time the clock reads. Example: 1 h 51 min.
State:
2 h 33 min
